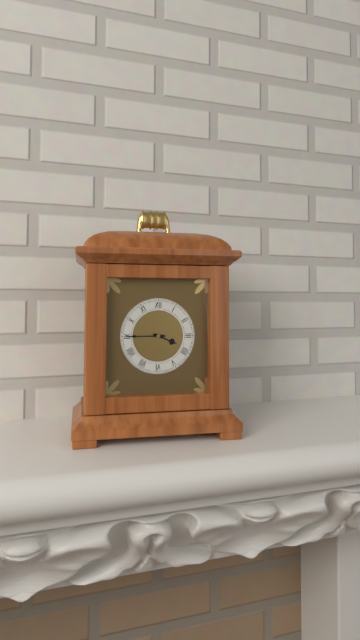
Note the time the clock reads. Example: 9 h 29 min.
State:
3 h 45 min
